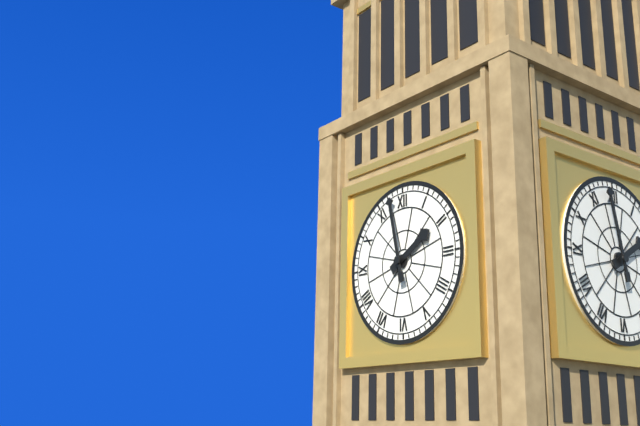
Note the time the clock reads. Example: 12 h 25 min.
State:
1 h 58 min
